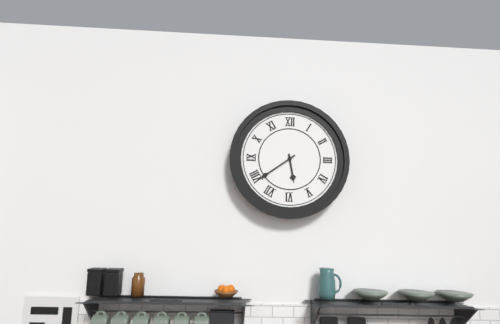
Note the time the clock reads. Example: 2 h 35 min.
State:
5 h 39 min
